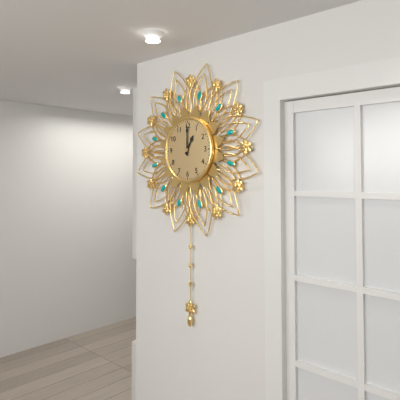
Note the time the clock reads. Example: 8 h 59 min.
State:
1 h 00 min
